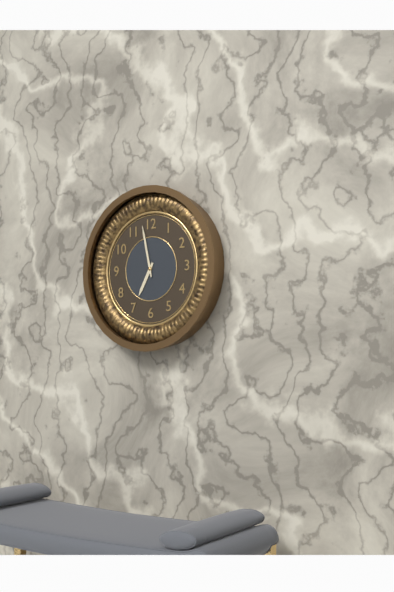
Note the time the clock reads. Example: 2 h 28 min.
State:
6 h 58 min
